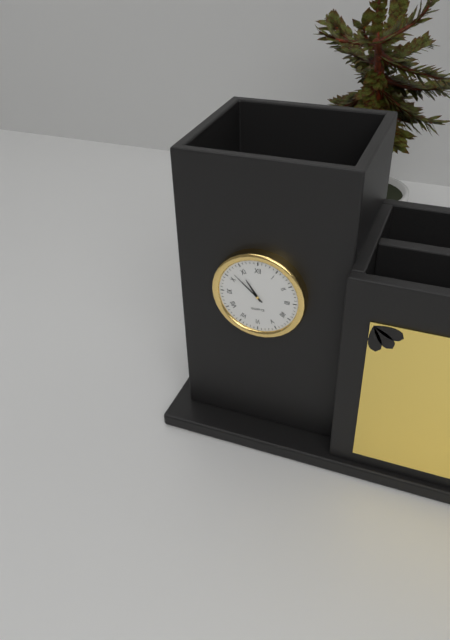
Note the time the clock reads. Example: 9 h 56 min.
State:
10 h 52 min
